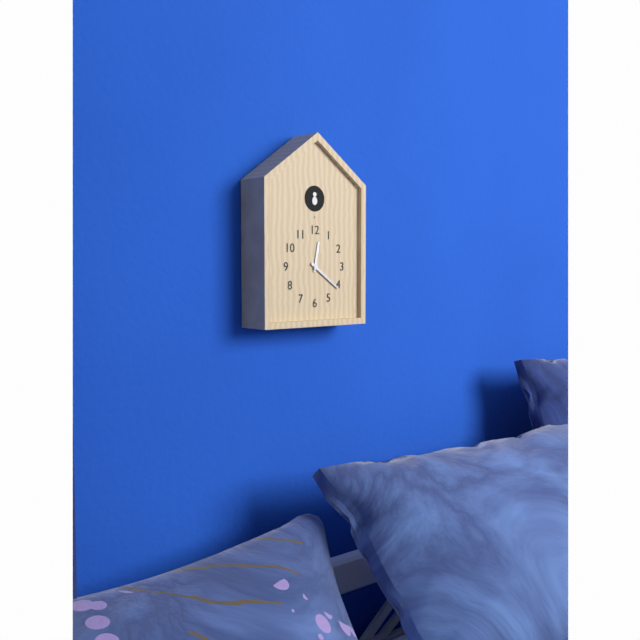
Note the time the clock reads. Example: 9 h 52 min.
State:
12 h 21 min
